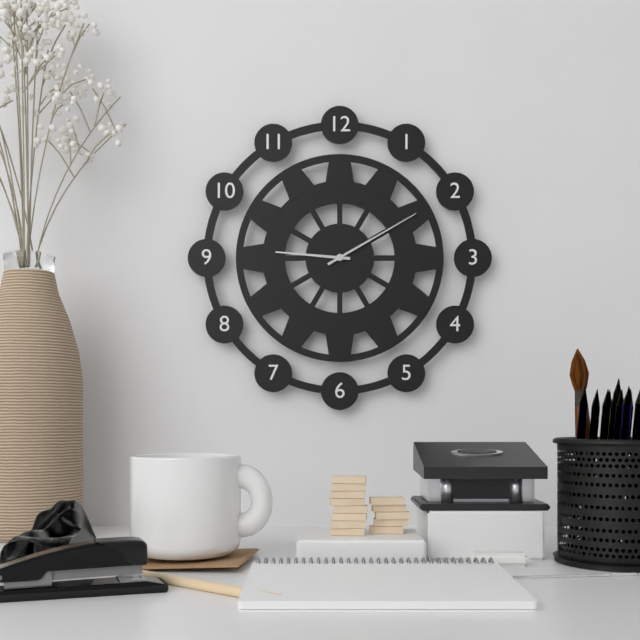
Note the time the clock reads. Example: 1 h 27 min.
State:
9 h 10 min
